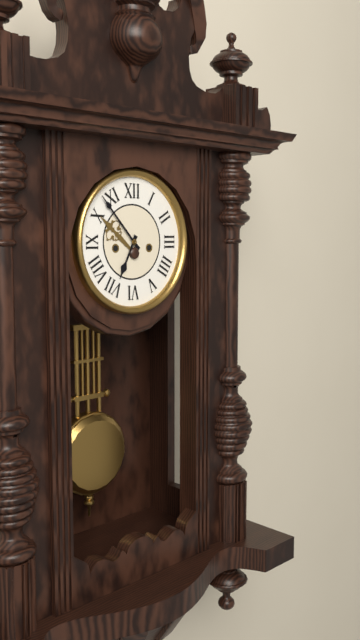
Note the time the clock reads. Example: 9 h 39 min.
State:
6 h 53 min
